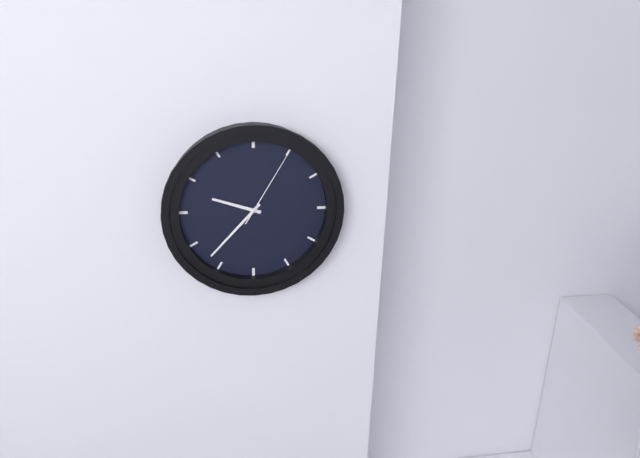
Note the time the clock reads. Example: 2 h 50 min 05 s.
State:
9 h 37 min 05 s
